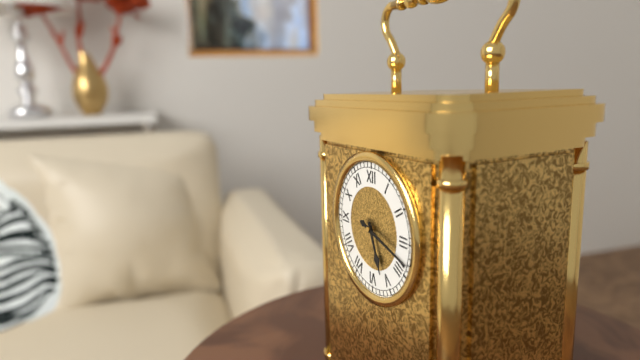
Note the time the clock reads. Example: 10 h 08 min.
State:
5 h 18 min
